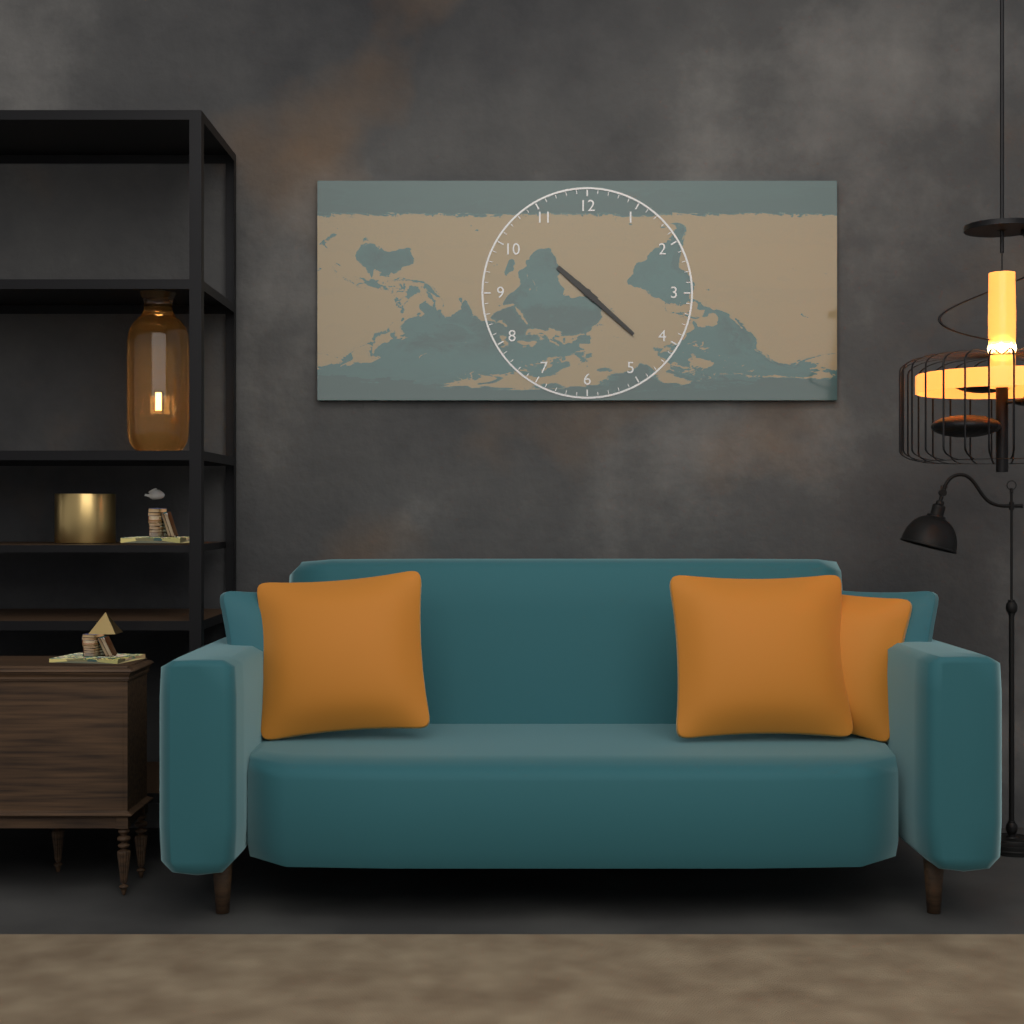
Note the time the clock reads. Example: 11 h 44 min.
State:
10 h 22 min
